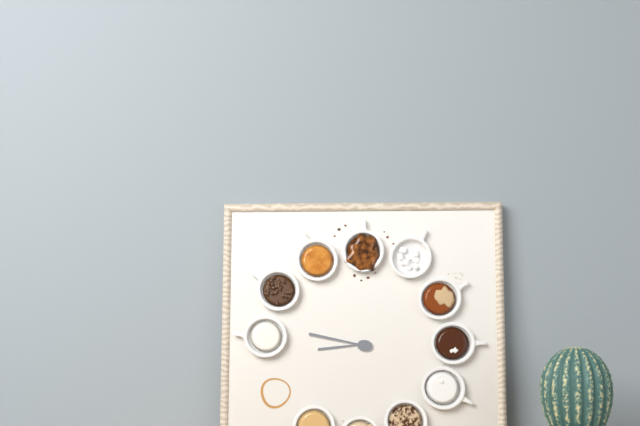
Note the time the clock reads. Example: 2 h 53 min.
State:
8 h 47 min
